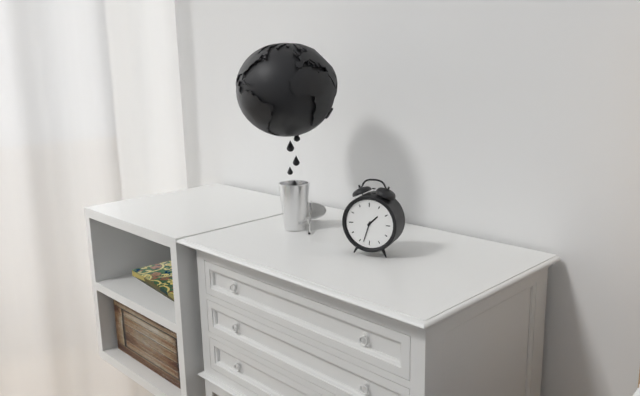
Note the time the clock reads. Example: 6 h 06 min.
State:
1 h 33 min
